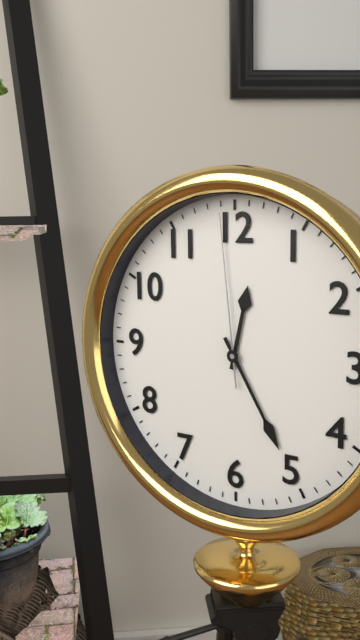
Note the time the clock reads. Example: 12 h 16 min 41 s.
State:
12 h 25 min 59 s
